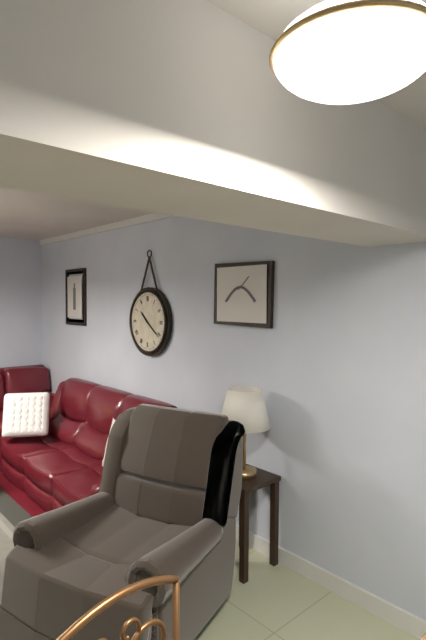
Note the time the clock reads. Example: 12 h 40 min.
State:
10 h 21 min
